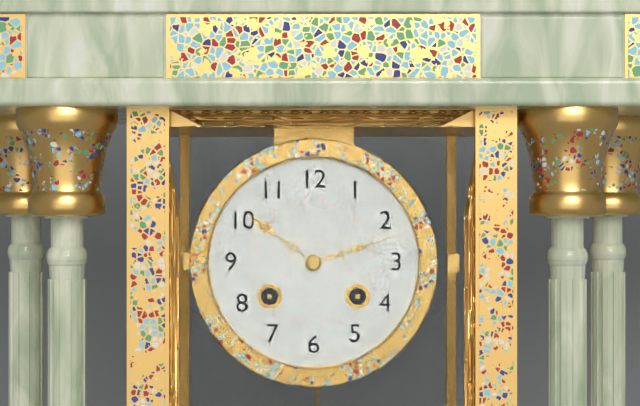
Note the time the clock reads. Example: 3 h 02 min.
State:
10 h 12 min
